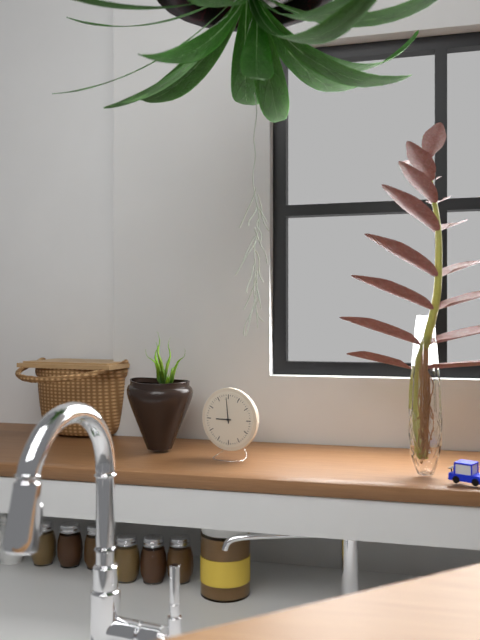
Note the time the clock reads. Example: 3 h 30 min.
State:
8 h 59 min
